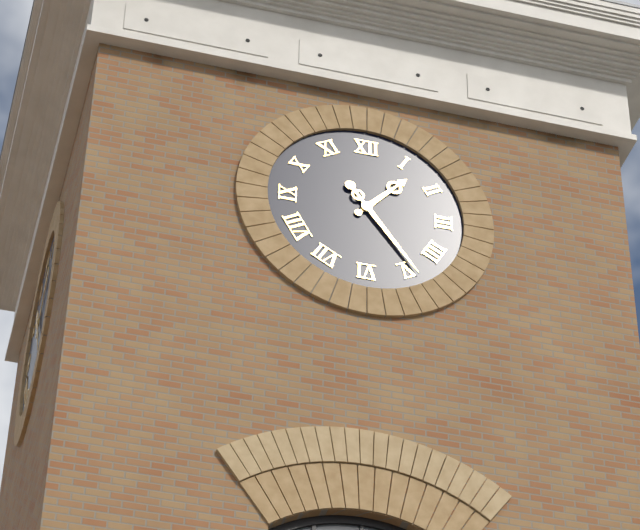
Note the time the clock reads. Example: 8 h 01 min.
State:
1 h 24 min
